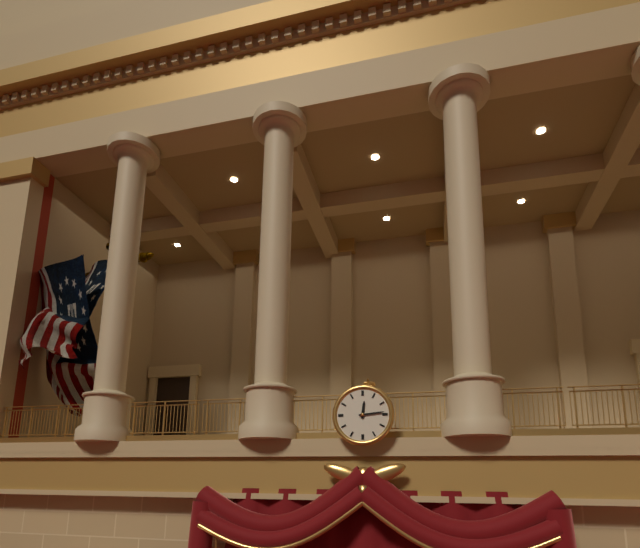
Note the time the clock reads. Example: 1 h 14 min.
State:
12 h 14 min
